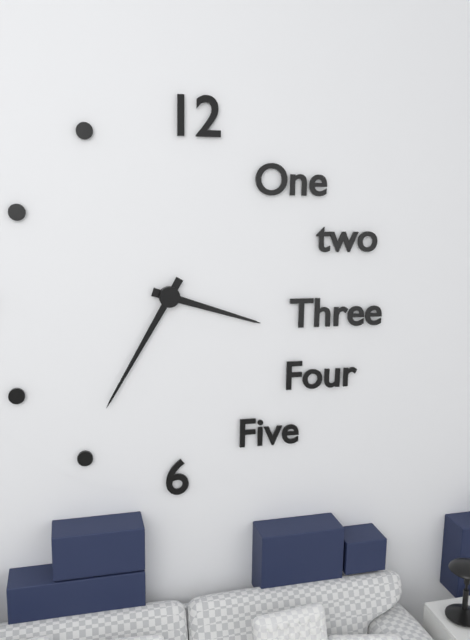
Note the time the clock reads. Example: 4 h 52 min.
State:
3 h 35 min
